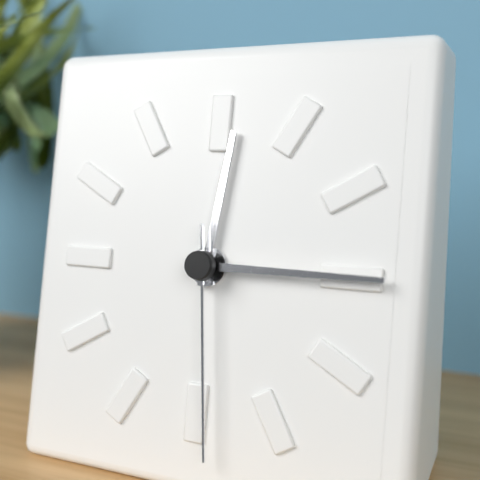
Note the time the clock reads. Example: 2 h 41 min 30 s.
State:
12 h 15 min 29 s
